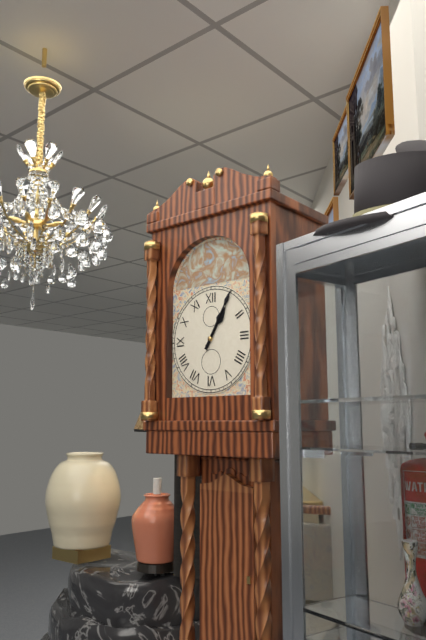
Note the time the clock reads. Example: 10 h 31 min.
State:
1 h 05 min
